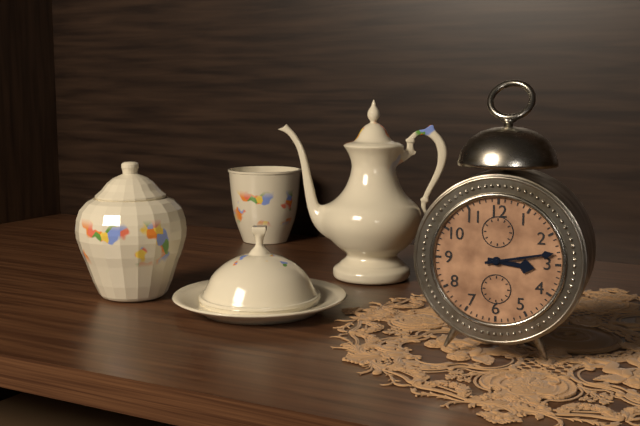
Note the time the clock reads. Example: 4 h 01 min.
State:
3 h 13 min
